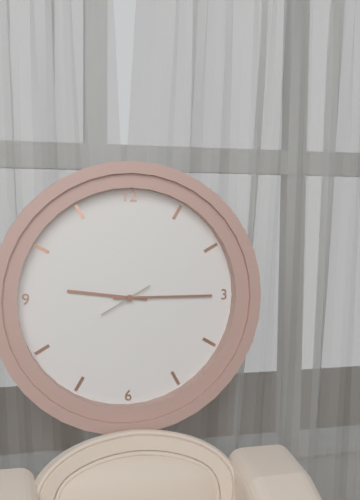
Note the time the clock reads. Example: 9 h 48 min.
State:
9 h 15 min
